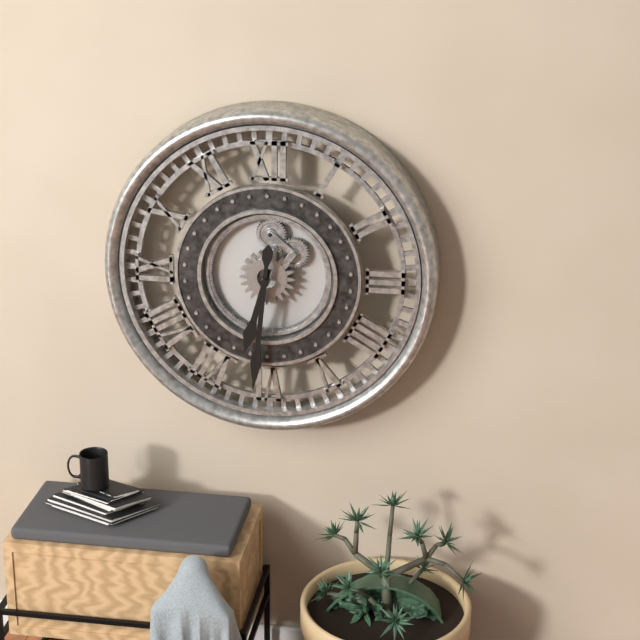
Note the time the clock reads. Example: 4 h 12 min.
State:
6 h 31 min
